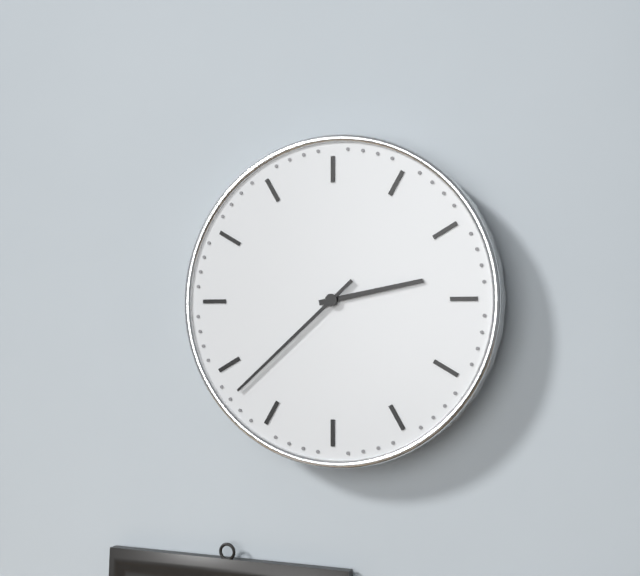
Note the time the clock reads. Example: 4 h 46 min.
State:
2 h 38 min
